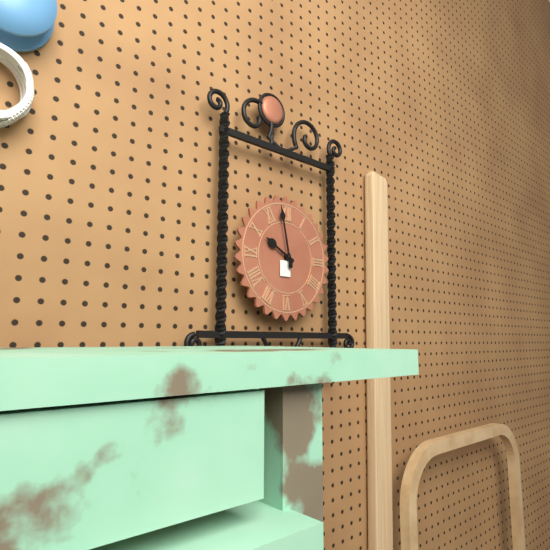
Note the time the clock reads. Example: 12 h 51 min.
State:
9 h 58 min
